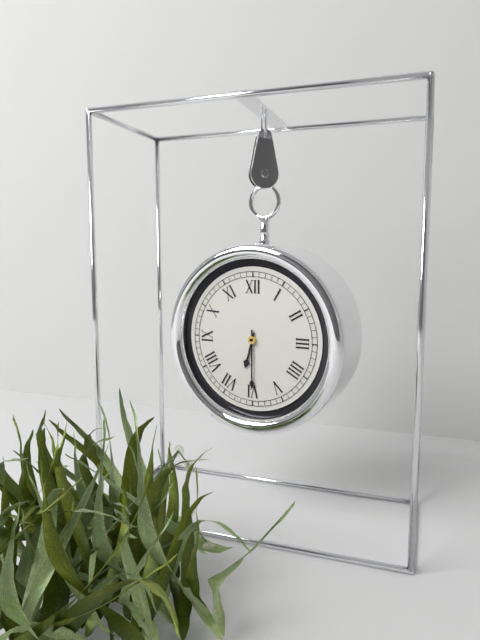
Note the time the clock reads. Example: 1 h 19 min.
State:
6 h 30 min
